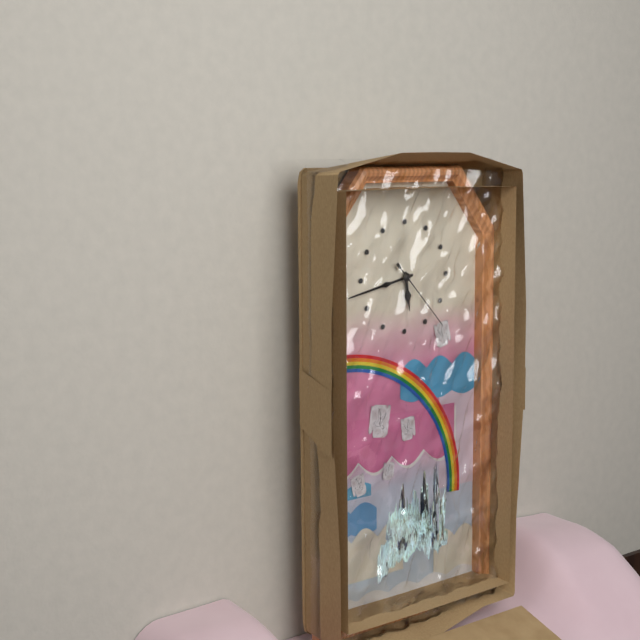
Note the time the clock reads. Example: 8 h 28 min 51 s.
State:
5 h 43 min 23 s
